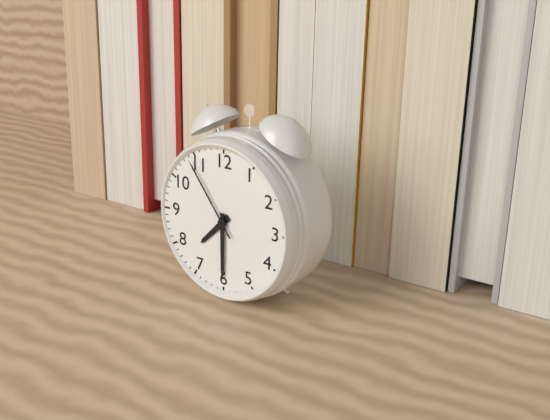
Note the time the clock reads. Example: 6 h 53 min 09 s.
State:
7 h 30 min 54 s
